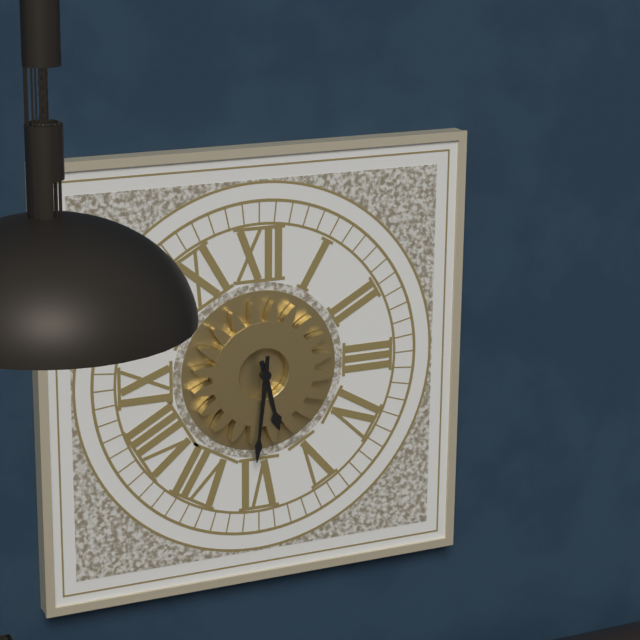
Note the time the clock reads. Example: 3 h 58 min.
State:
5 h 31 min
